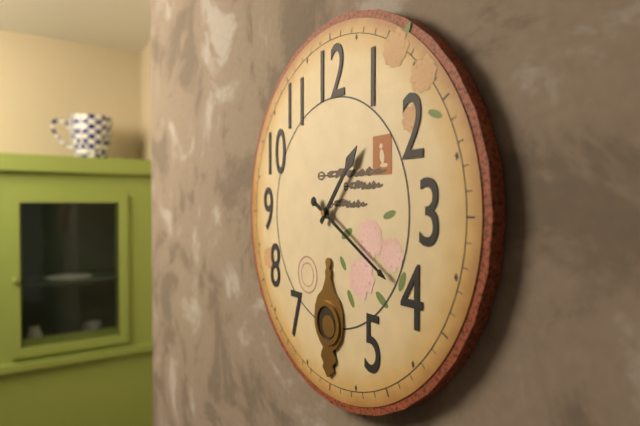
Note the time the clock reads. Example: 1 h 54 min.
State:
1 h 20 min
